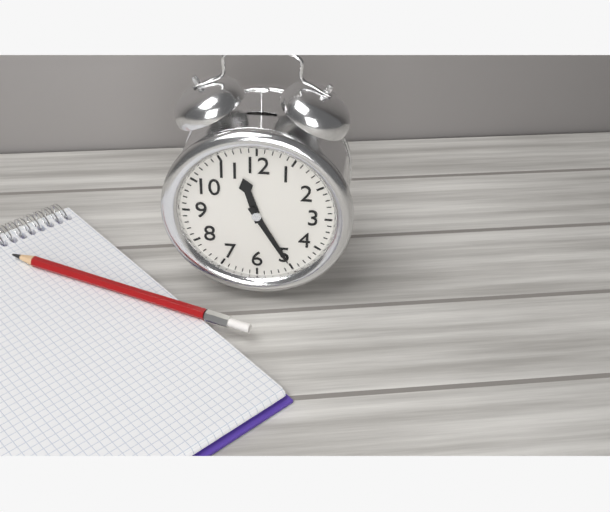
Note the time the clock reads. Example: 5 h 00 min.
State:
11 h 25 min
